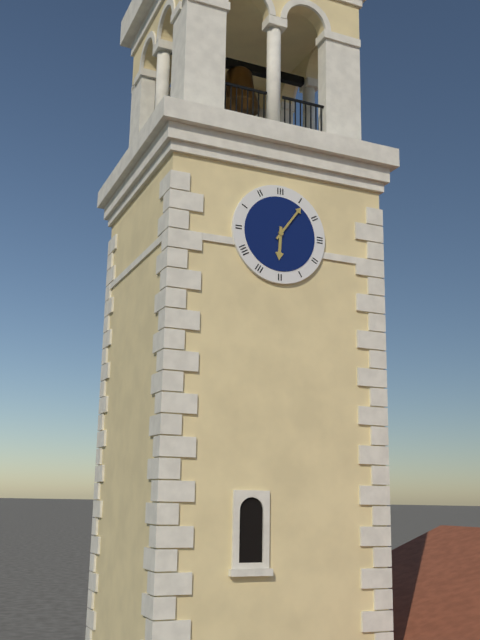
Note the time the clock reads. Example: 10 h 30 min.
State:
6 h 06 min
